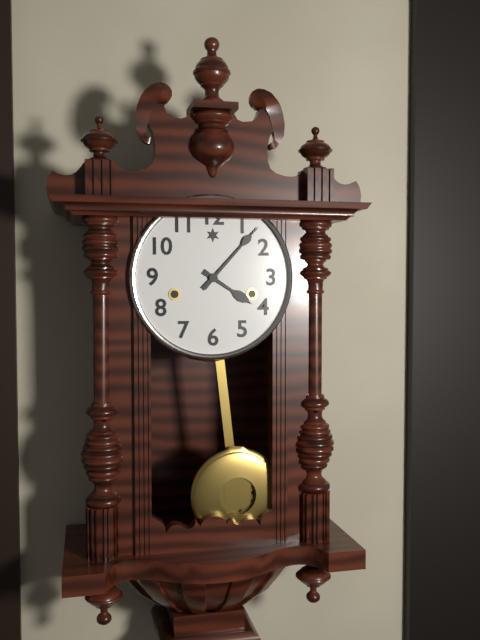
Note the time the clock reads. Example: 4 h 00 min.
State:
4 h 07 min
